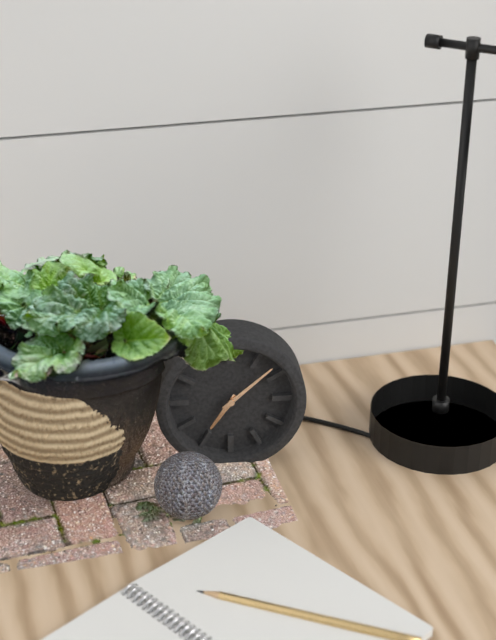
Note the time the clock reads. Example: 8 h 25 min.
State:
7 h 08 min
